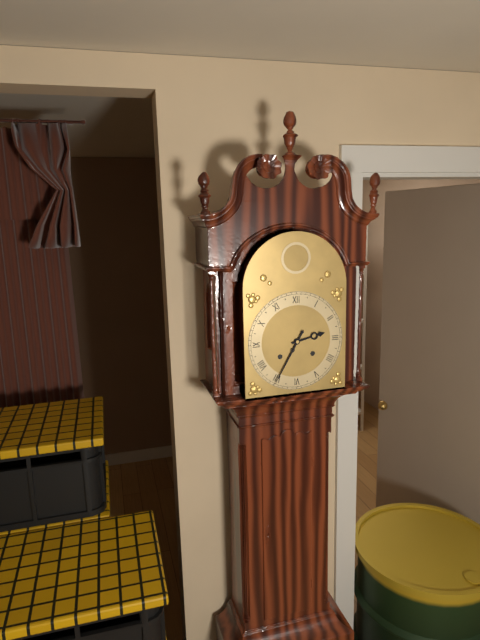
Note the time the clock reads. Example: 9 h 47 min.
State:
2 h 35 min
